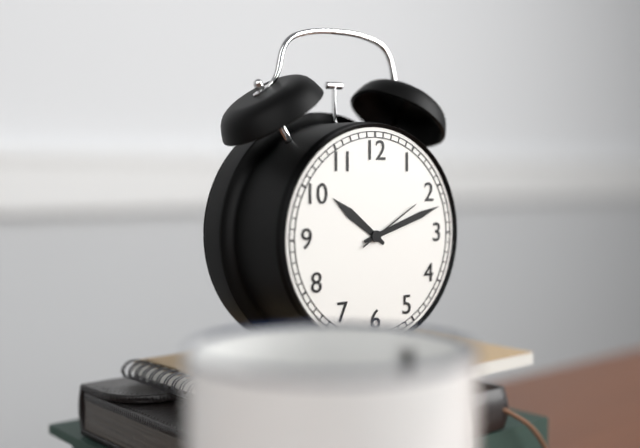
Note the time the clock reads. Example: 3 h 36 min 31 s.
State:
10 h 12 min 10 s
